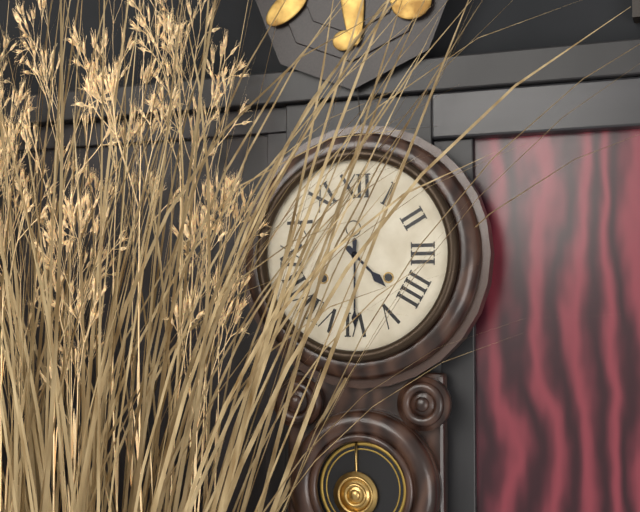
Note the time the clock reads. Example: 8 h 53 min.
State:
4 h 30 min
